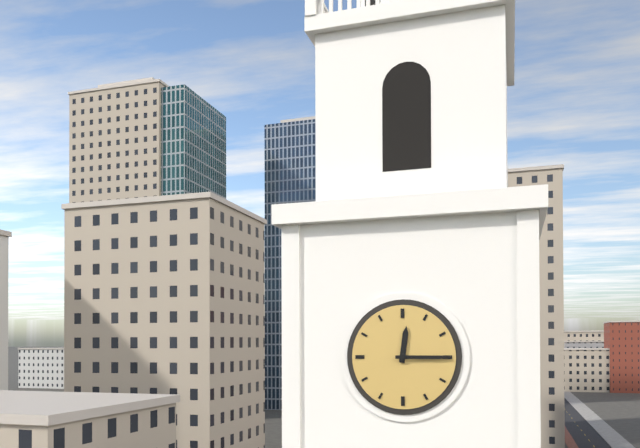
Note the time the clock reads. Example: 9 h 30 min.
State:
12 h 15 min
